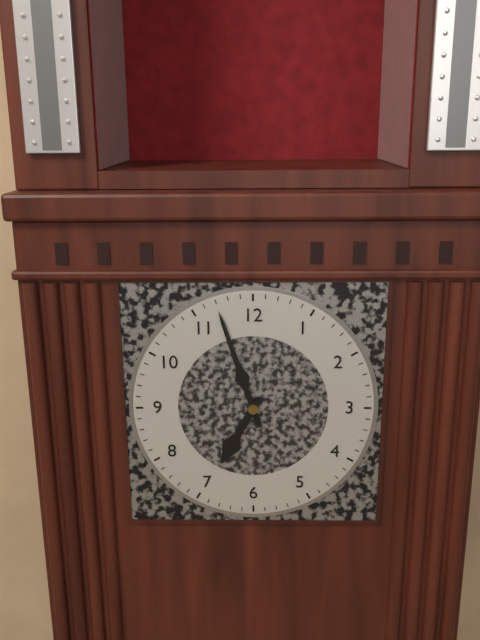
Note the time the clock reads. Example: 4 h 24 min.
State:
6 h 57 min
